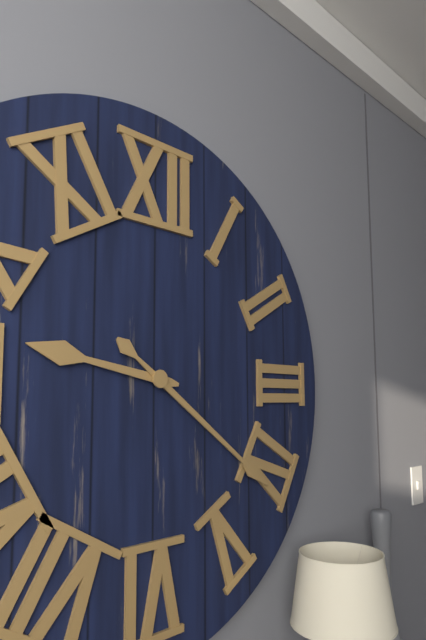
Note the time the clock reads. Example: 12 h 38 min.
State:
9 h 21 min
